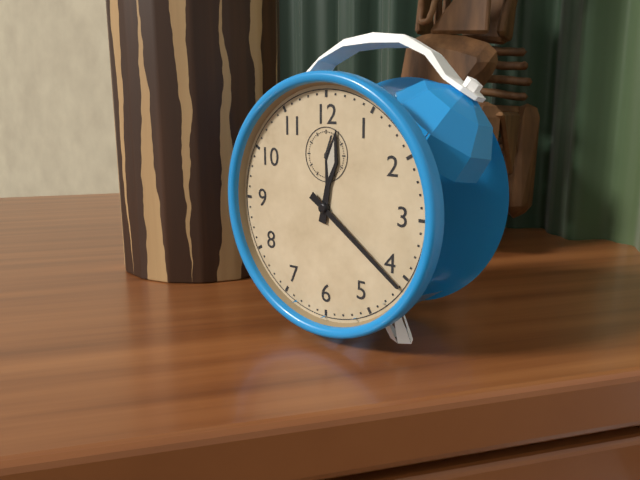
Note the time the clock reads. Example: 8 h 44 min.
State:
12 h 21 min
